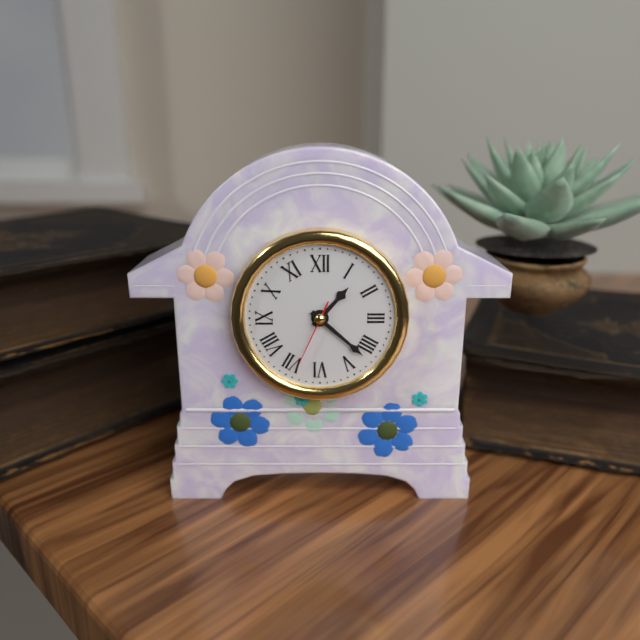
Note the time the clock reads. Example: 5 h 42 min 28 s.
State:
1 h 22 min 34 s
